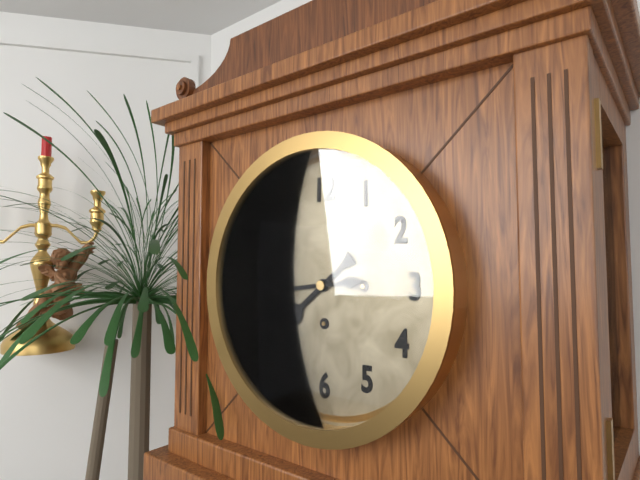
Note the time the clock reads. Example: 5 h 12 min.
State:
7 h 44 min
